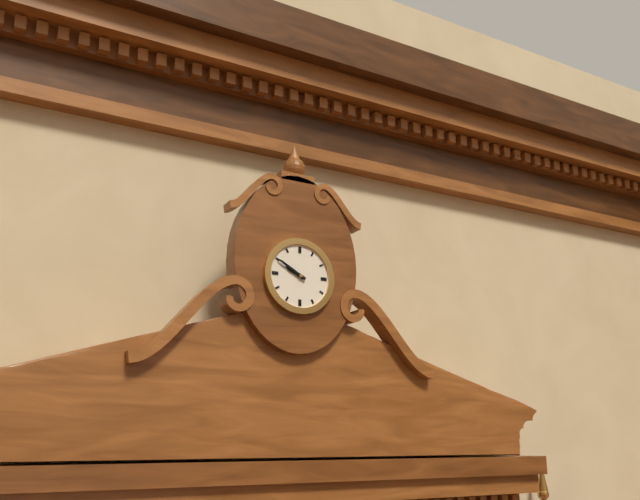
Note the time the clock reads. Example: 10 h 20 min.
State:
9 h 50 min
